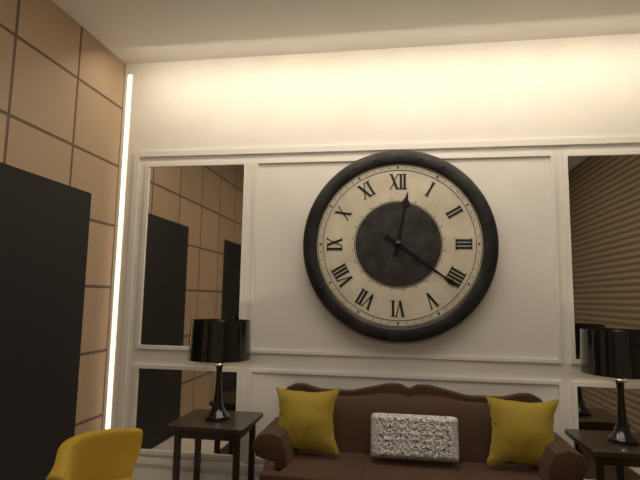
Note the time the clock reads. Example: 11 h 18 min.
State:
12 h 21 min
